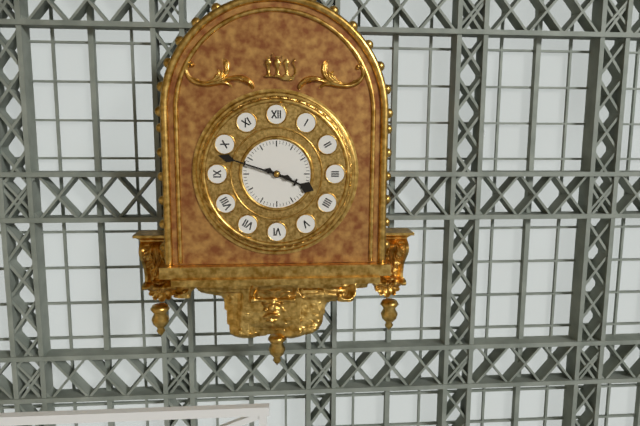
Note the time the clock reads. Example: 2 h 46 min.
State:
3 h 48 min
